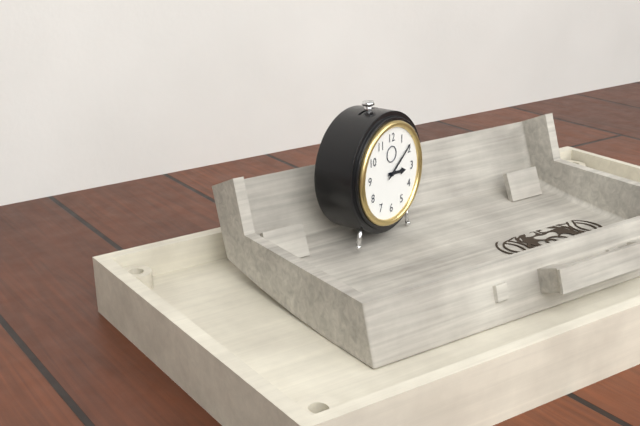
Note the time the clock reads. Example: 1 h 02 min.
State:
3 h 09 min
